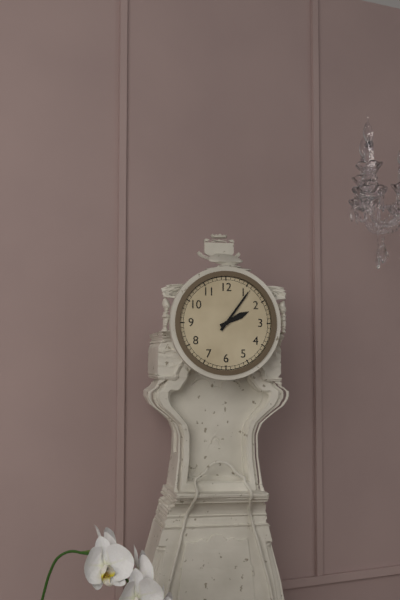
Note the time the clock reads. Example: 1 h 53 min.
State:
2 h 06 min
